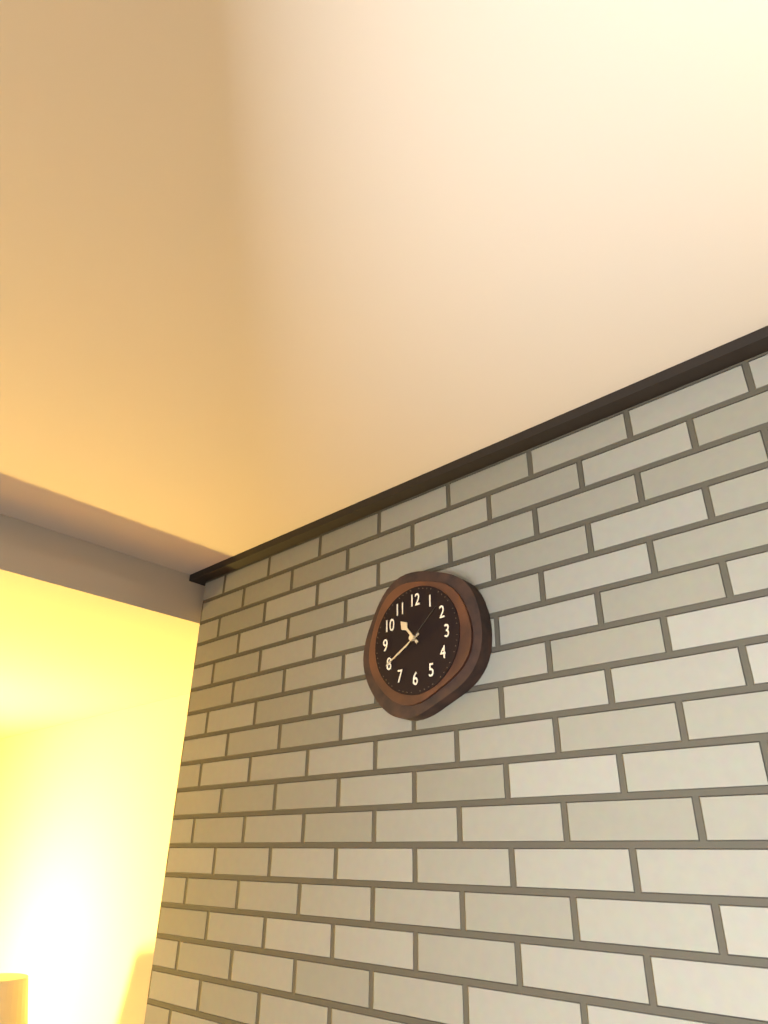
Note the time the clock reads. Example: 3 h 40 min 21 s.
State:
10 h 40 min 08 s
